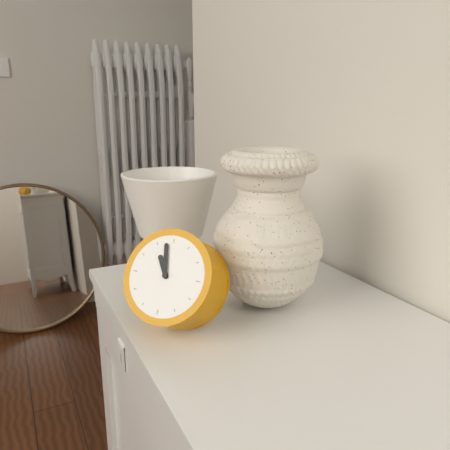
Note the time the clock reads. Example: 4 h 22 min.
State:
10 h 58 min
